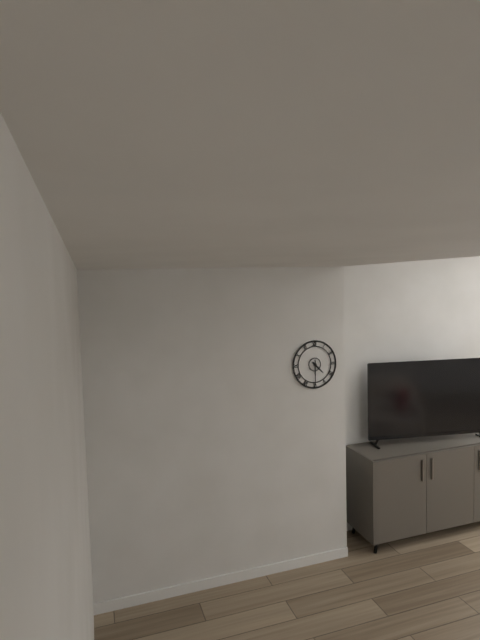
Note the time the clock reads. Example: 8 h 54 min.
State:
4 h 30 min
